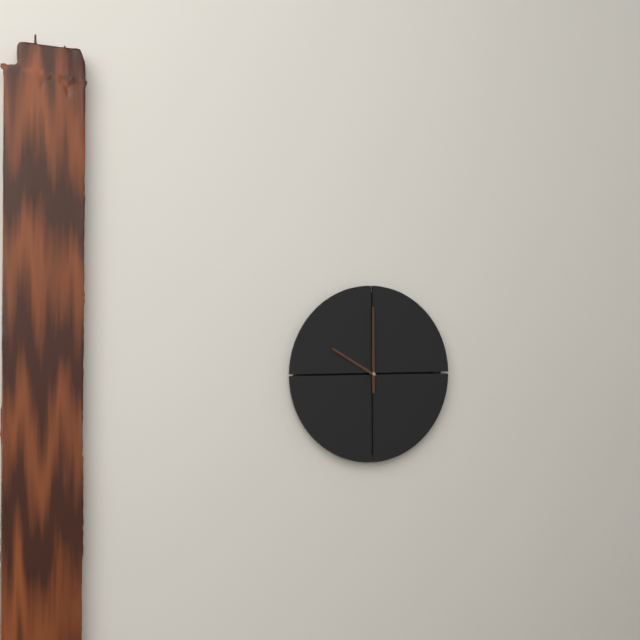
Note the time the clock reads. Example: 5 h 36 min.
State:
10 h 00 min
